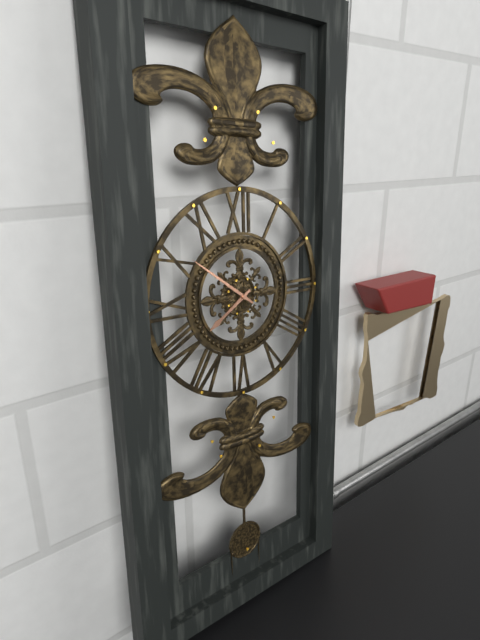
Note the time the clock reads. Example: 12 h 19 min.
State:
7 h 51 min
